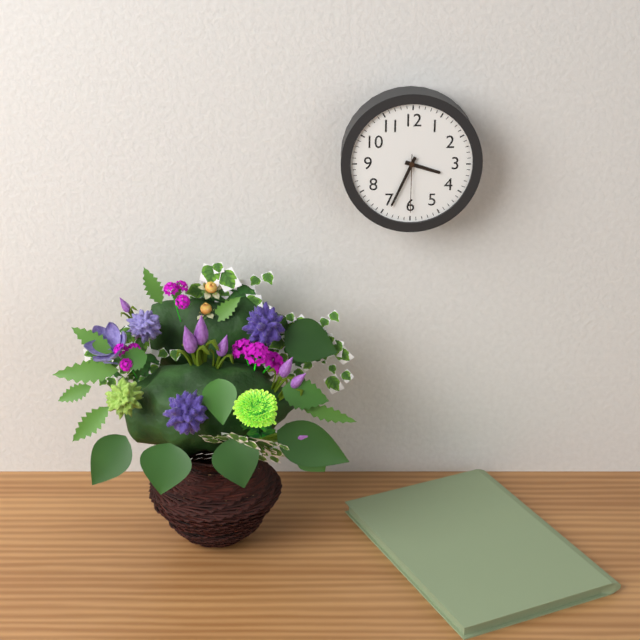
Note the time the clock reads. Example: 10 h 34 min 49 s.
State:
3 h 34 min 30 s
